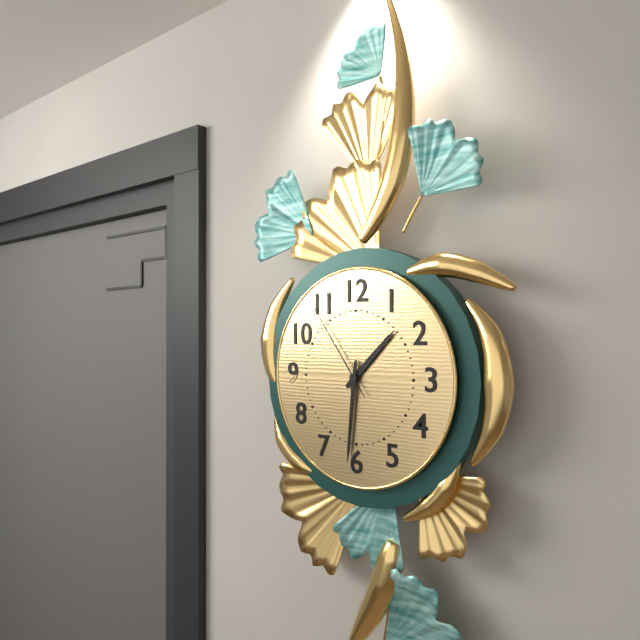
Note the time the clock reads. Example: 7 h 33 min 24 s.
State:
1 h 31 min 54 s
